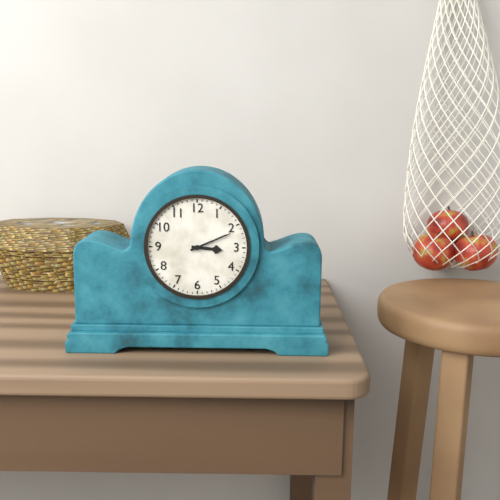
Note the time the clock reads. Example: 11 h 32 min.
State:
3 h 11 min
